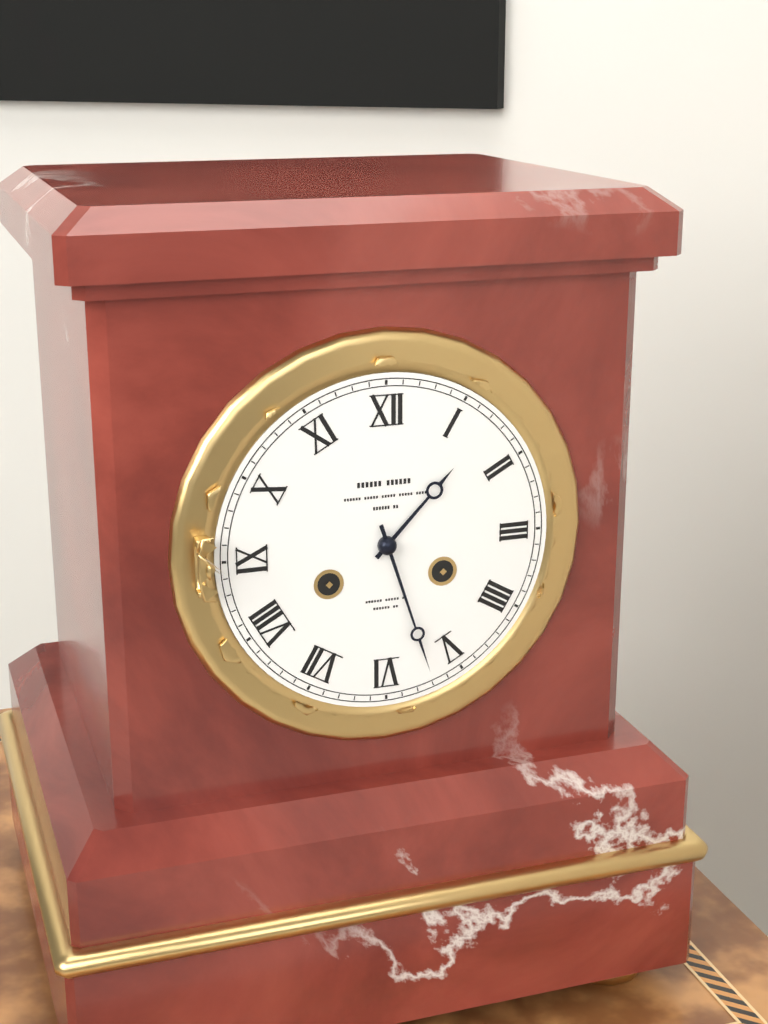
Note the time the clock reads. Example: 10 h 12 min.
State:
1 h 27 min
